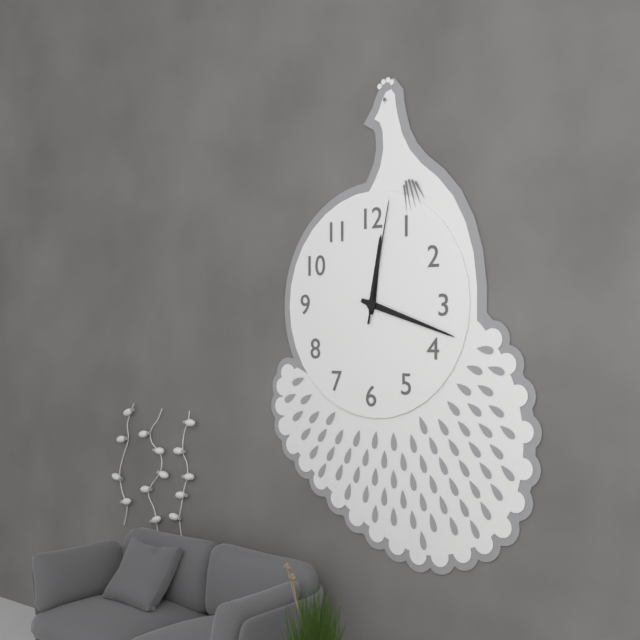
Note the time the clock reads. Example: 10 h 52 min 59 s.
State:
12 h 18 min 02 s
